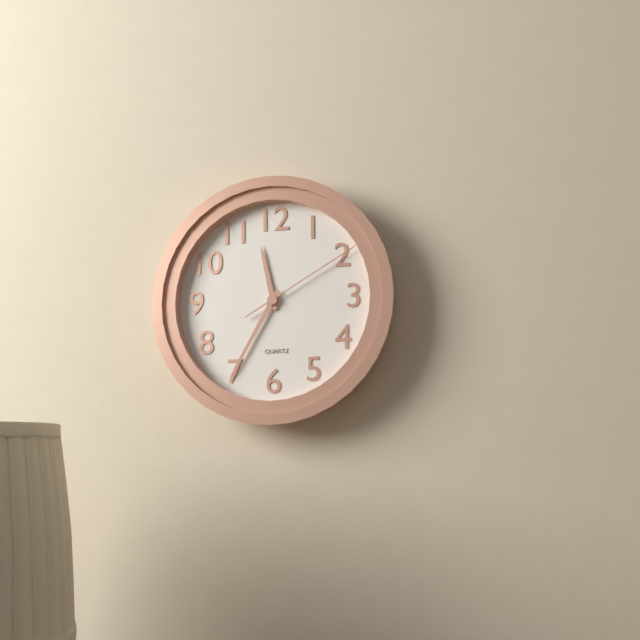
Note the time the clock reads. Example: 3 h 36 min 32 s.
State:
11 h 35 min 10 s
